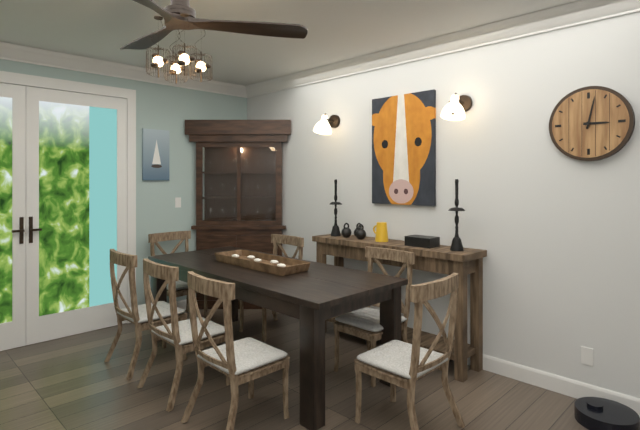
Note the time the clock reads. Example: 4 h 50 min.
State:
3 h 02 min
